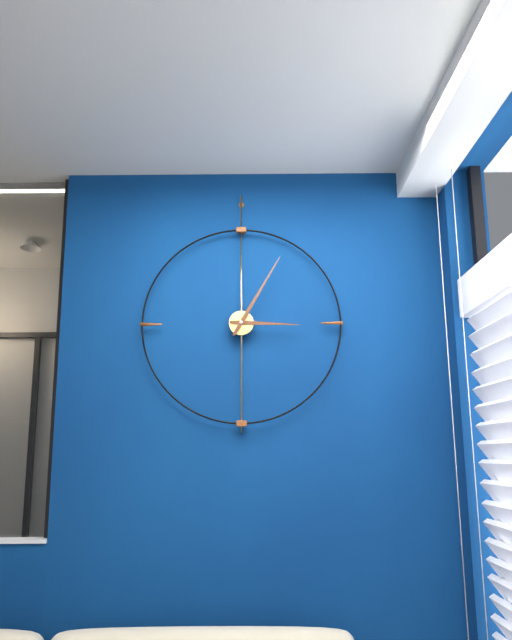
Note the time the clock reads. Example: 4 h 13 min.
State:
3 h 05 min
